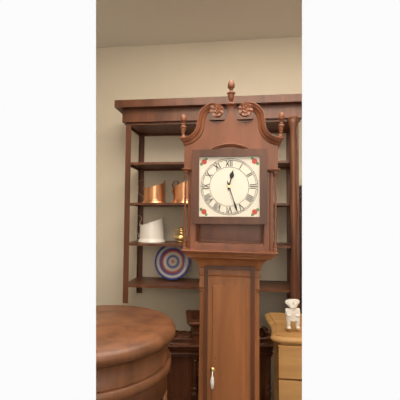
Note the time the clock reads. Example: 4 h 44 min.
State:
12 h 27 min
